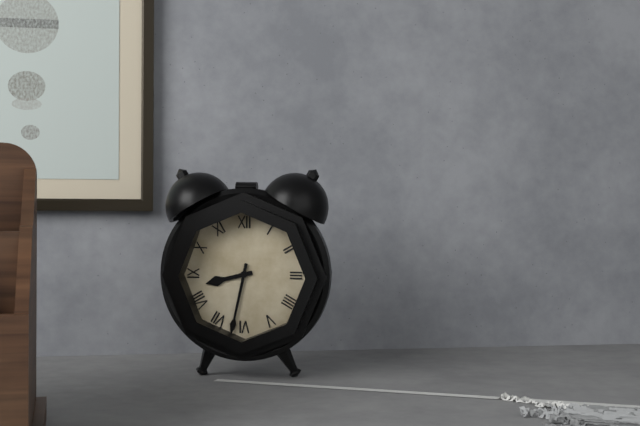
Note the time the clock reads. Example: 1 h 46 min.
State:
8 h 32 min
